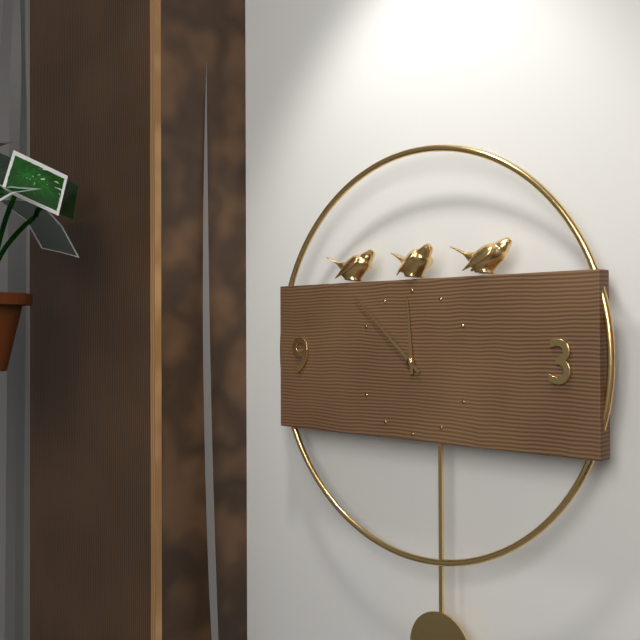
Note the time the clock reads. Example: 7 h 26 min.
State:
11 h 52 min
